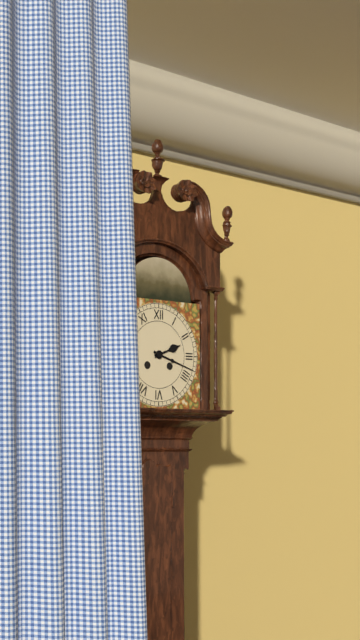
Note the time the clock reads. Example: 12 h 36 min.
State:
2 h 18 min
